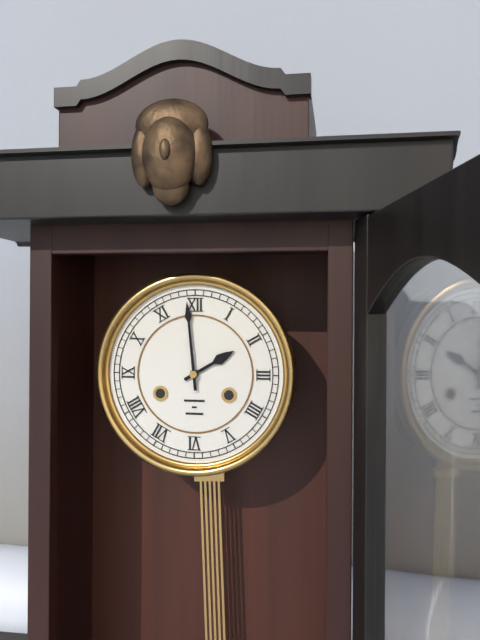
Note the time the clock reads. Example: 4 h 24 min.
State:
1 h 59 min
